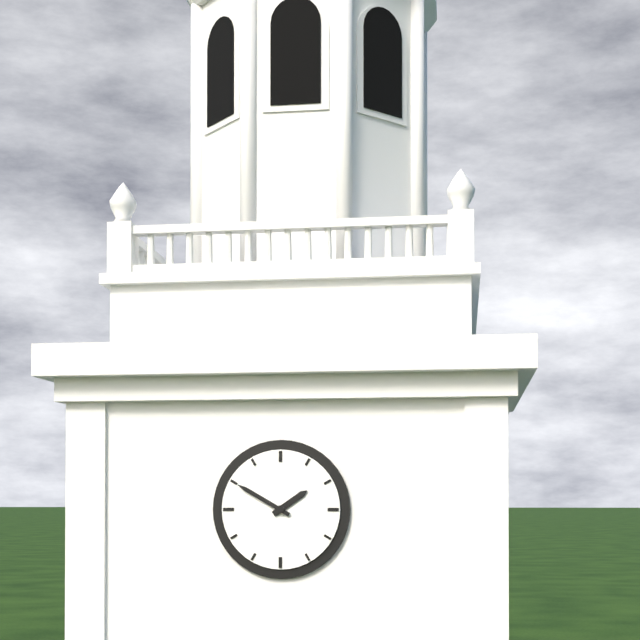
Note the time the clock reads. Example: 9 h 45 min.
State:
1 h 50 min
